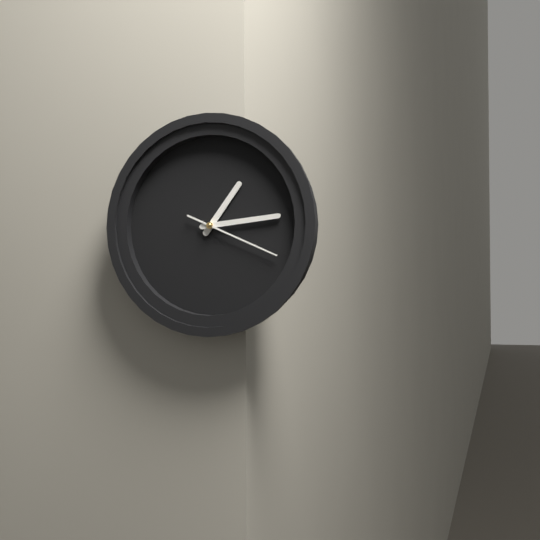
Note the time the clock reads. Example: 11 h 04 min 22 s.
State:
1 h 14 min 19 s
